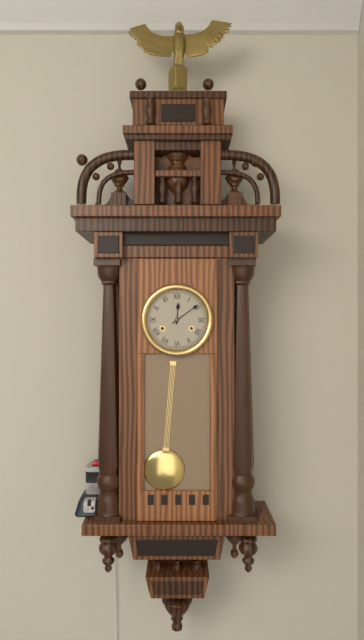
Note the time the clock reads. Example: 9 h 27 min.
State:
12 h 09 min
